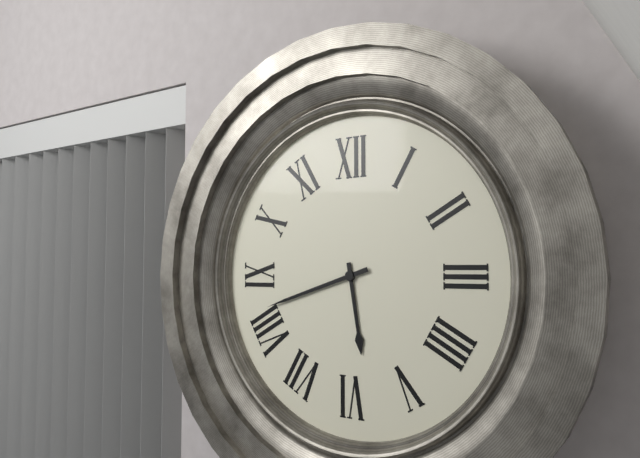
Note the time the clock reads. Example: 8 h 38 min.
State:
5 h 42 min
